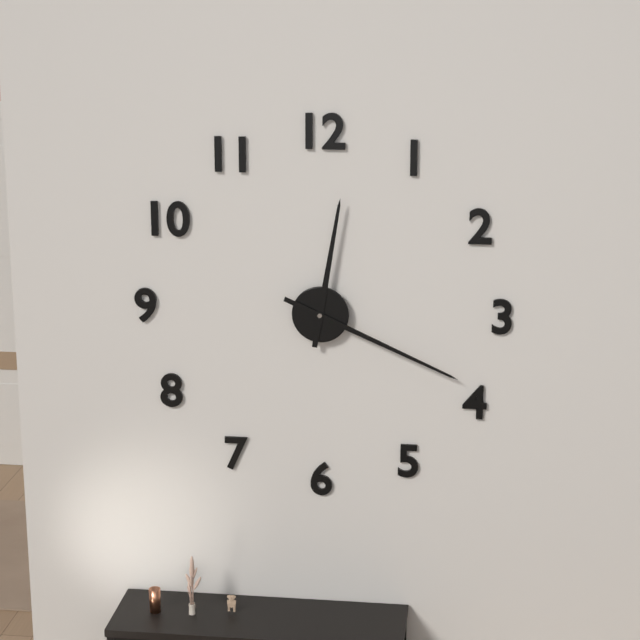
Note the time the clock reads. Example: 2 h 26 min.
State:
12 h 19 min
